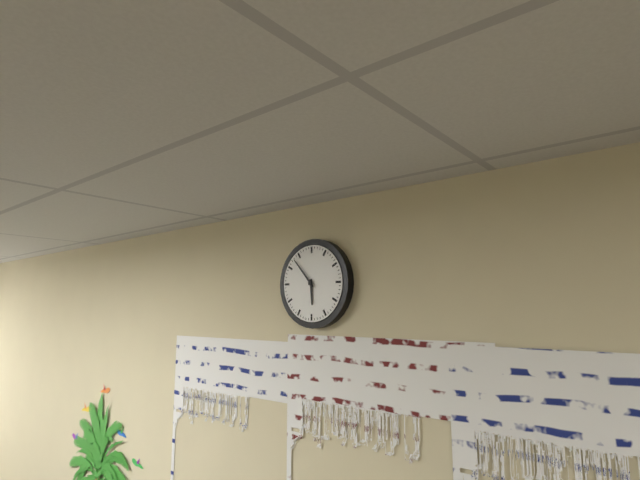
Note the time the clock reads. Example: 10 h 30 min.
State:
5 h 53 min
